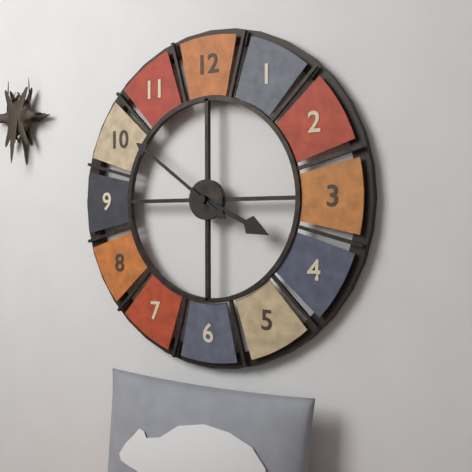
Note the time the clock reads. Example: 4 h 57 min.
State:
3 h 51 min
